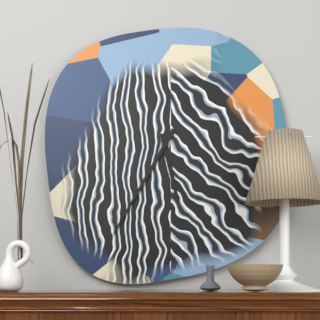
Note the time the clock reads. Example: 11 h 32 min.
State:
5 h 35 min
